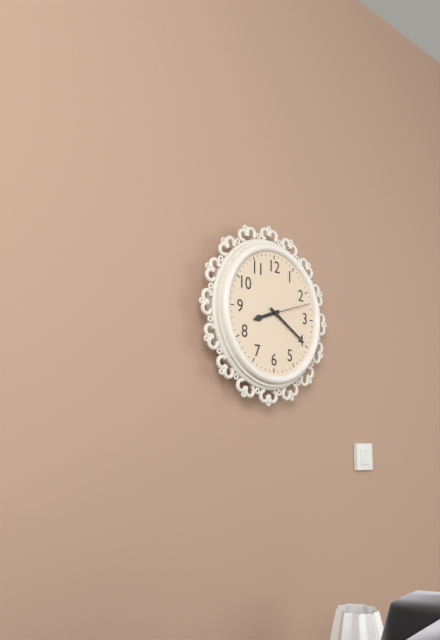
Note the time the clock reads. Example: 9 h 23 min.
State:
8 h 20 min
